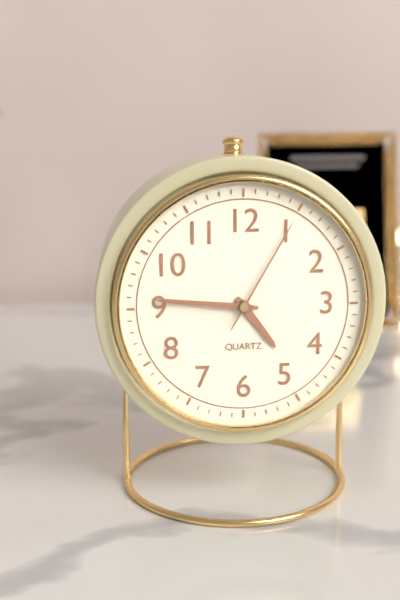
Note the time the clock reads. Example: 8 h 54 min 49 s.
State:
4 h 46 min 05 s
